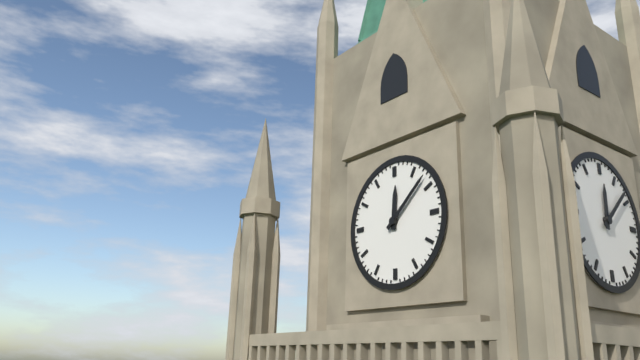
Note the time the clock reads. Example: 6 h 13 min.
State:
12 h 08 min
